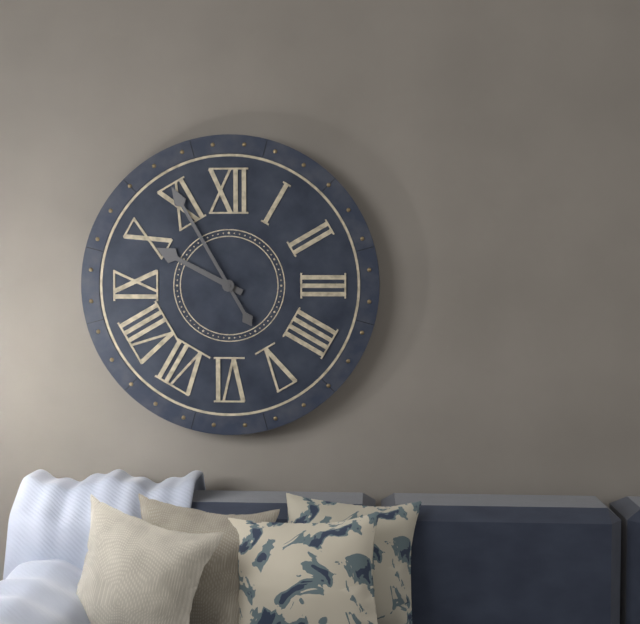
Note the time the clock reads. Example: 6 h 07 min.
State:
9 h 55 min
